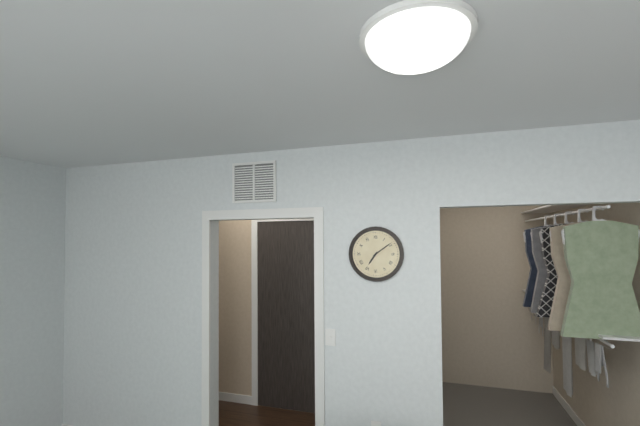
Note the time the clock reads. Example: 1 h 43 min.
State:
7 h 09 min
